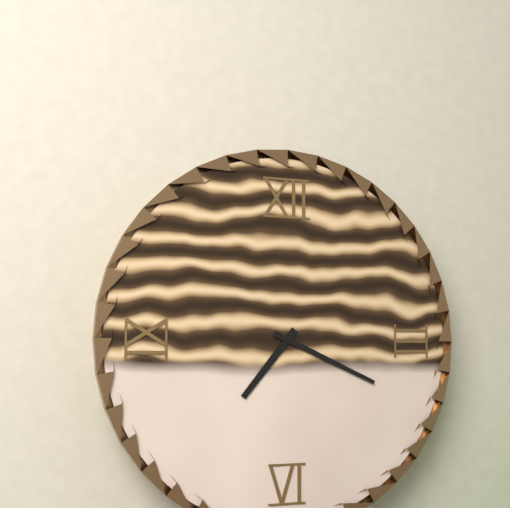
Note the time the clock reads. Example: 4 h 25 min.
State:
7 h 19 min
